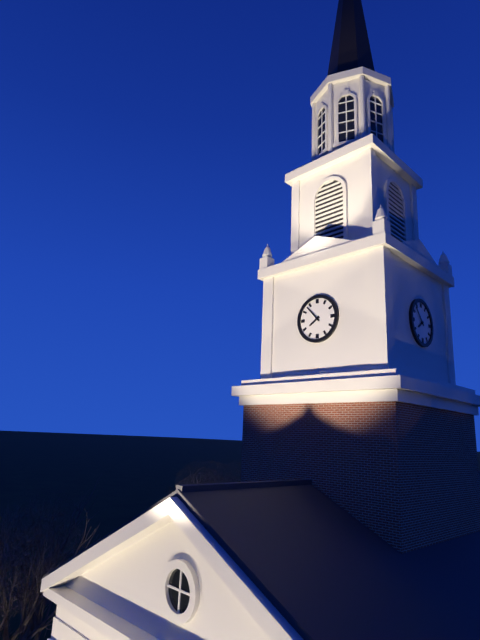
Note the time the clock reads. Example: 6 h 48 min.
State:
7 h 53 min
